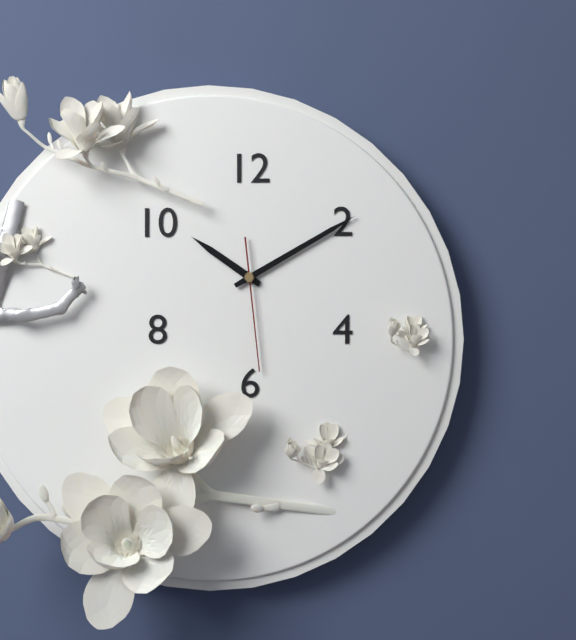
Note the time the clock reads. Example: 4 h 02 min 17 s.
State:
10 h 10 min 29 s
